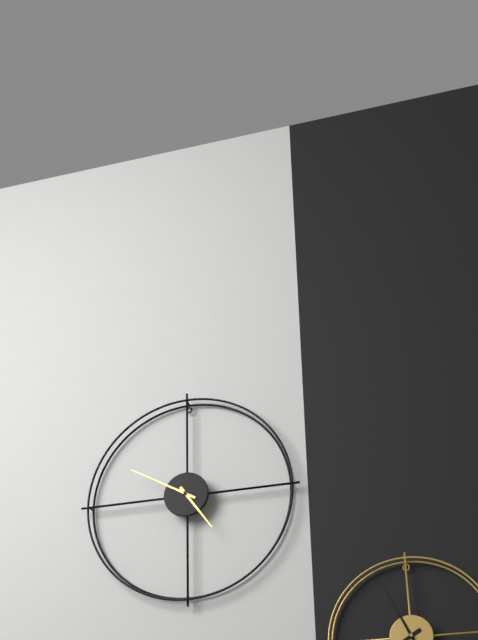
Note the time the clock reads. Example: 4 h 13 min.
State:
4 h 50 min
